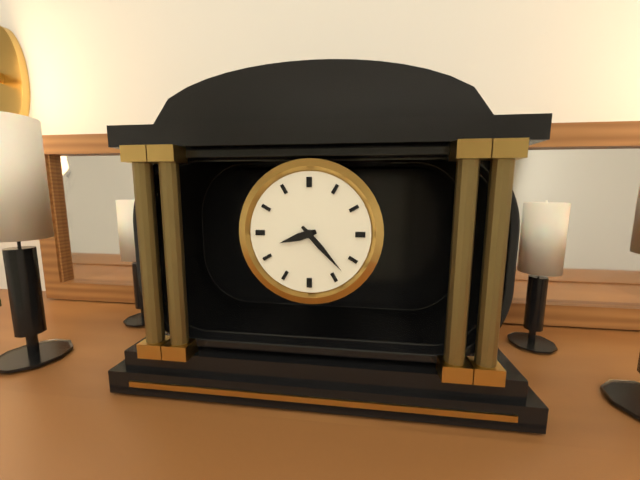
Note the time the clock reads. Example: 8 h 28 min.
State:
8 h 23 min
